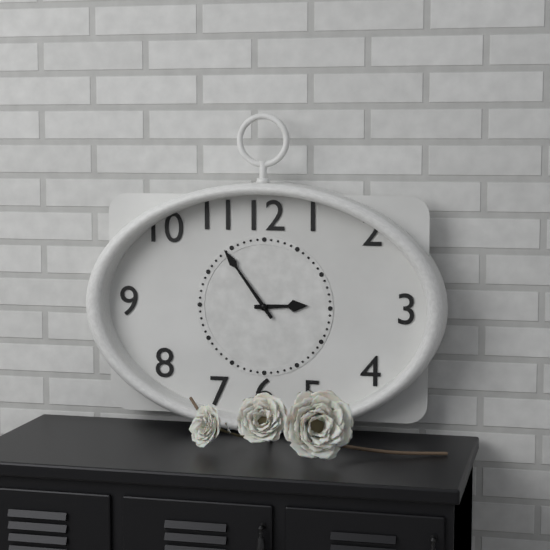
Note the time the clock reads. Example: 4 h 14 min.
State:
2 h 54 min
